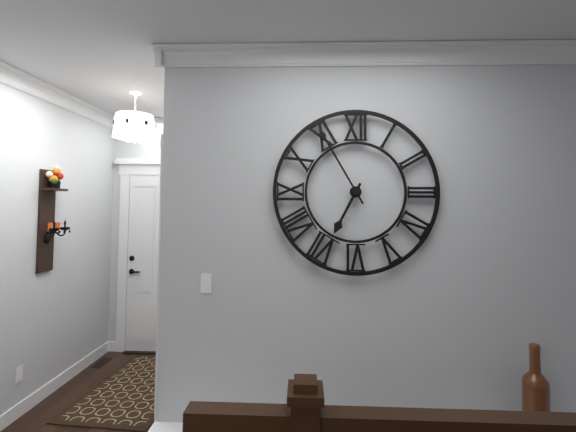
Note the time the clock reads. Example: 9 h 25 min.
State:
6 h 55 min
